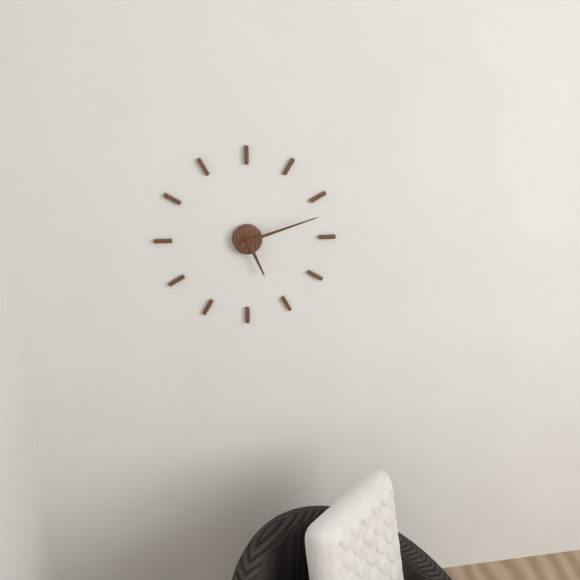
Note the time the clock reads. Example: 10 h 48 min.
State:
5 h 12 min
